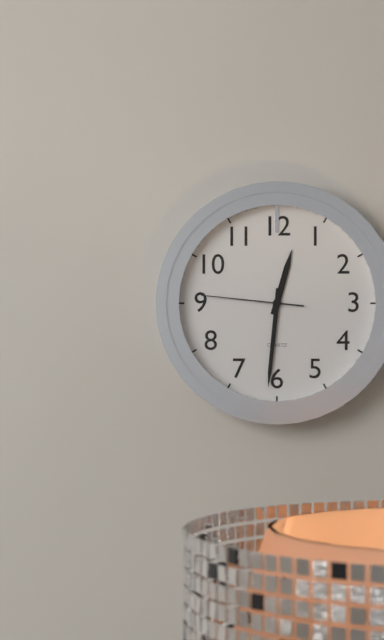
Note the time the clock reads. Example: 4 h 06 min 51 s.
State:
12 h 31 min 46 s
